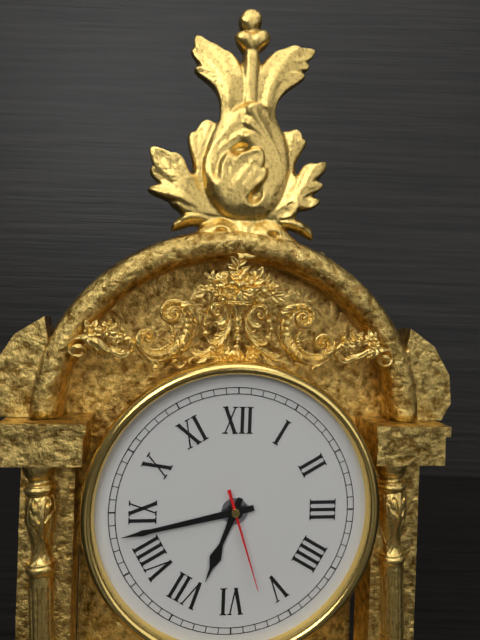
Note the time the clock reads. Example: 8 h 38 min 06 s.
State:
6 h 43 min 27 s
